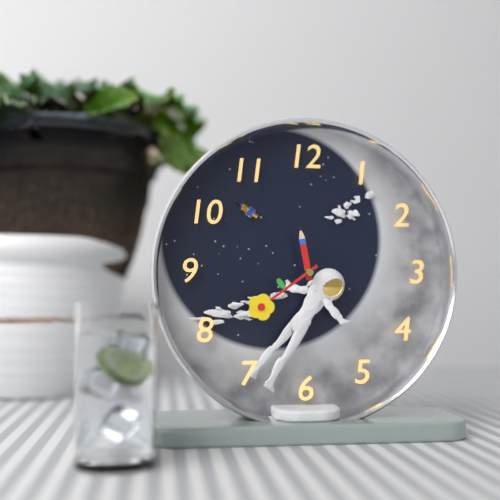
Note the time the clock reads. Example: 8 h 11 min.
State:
11 h 39 min
